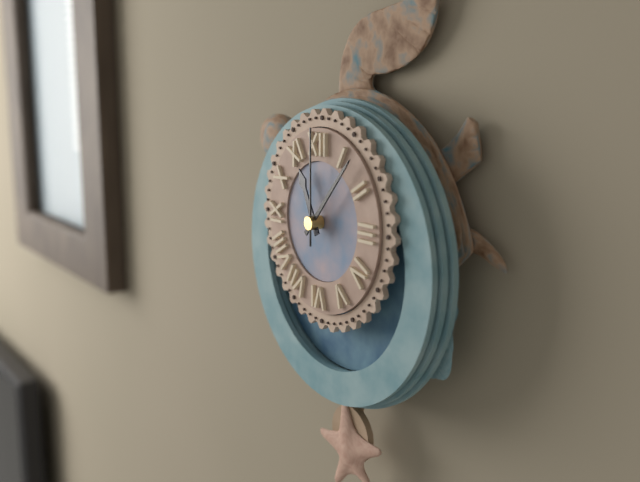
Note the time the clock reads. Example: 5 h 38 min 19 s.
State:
11 h 07 min 00 s
